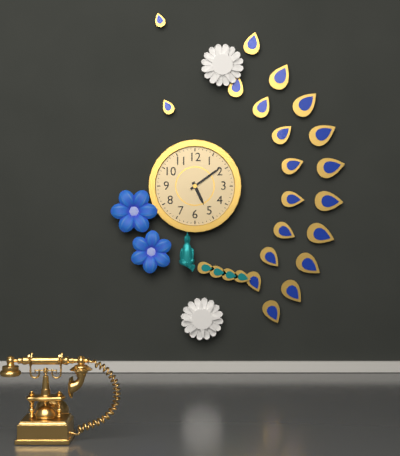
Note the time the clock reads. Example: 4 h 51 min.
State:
5 h 09 min
